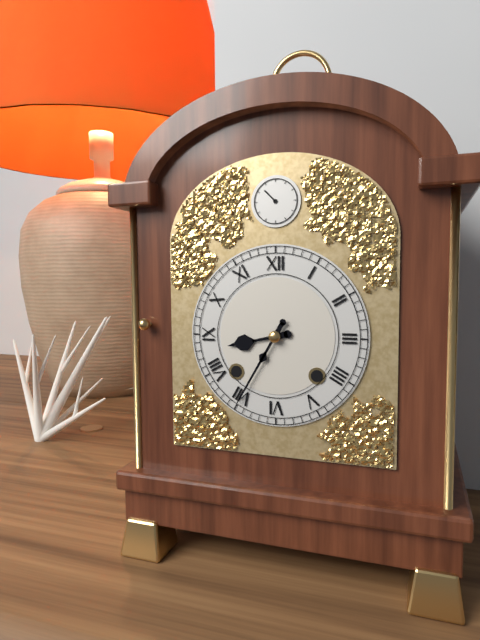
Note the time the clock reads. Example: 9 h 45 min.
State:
8 h 35 min
